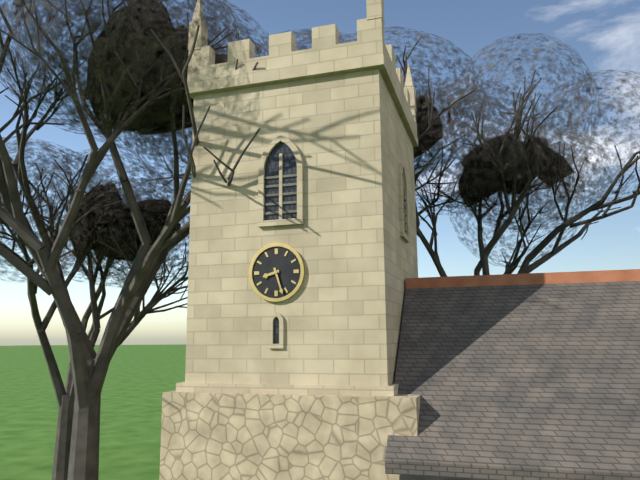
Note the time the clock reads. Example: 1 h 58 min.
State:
8 h 27 min
